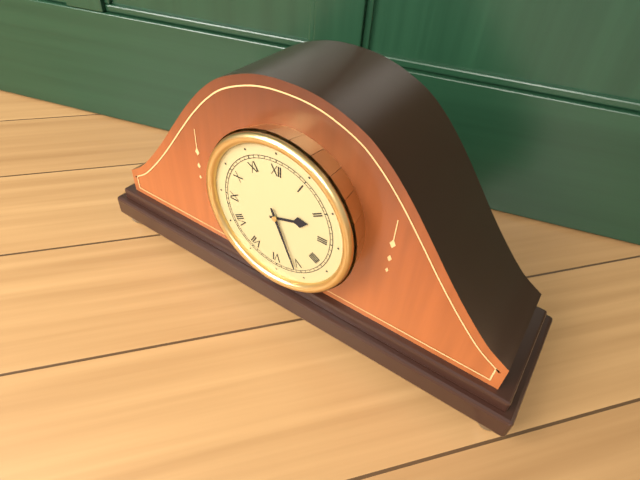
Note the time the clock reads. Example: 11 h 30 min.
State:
2 h 26 min
